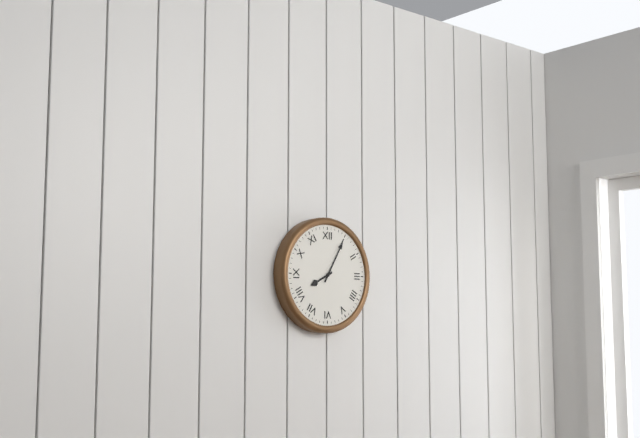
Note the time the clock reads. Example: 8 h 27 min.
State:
8 h 05 min
